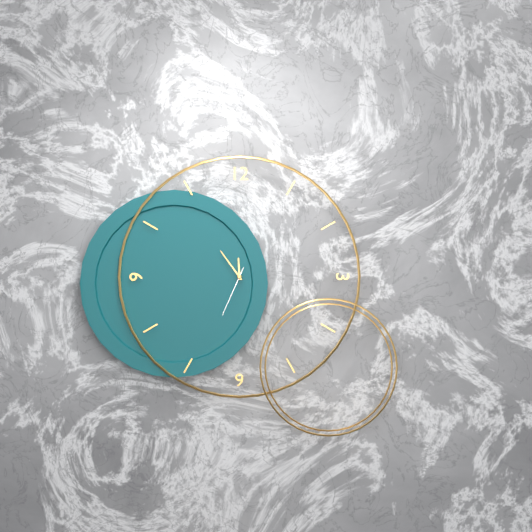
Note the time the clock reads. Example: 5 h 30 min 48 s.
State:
11 h 54 min 34 s
